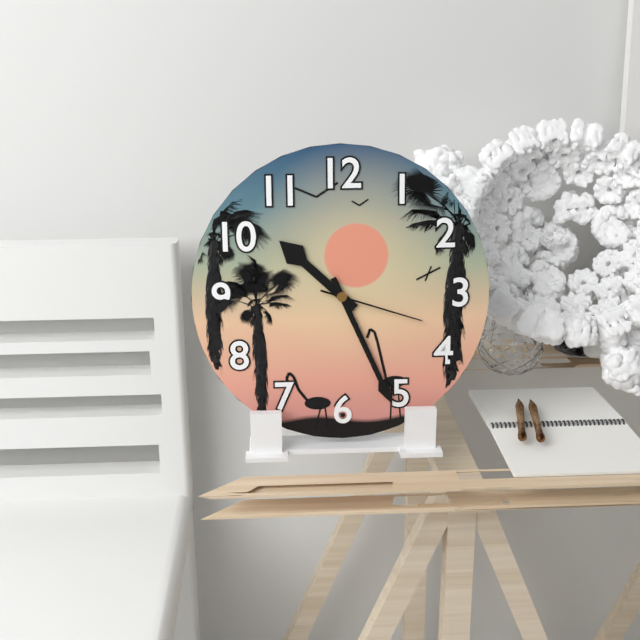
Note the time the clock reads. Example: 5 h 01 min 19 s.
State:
10 h 26 min 18 s
